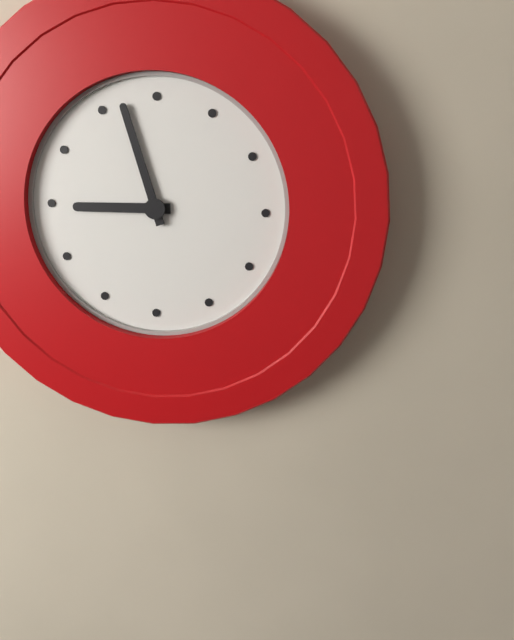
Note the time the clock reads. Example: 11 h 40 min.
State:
8 h 57 min
